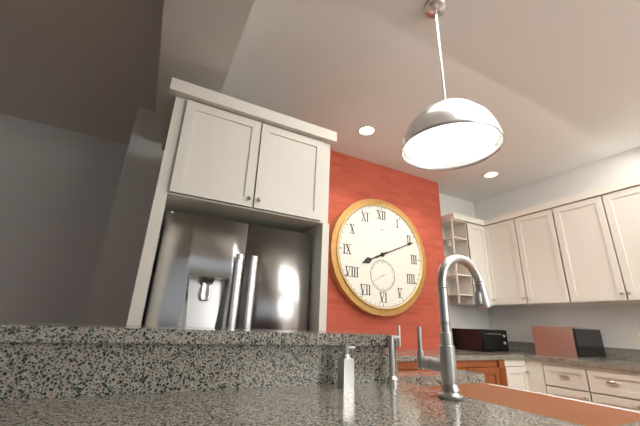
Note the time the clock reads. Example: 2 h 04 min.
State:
8 h 11 min
